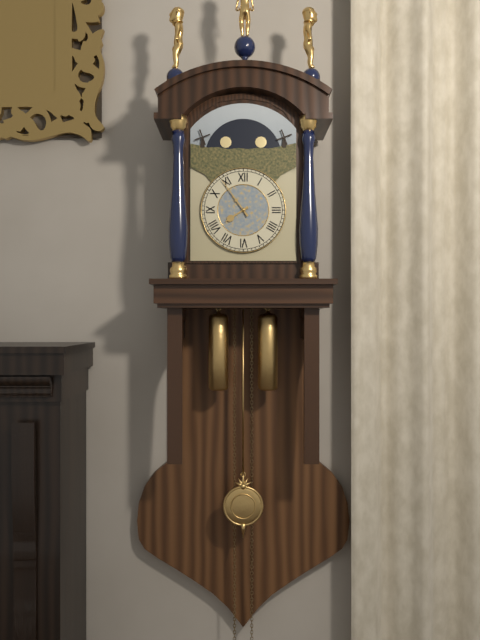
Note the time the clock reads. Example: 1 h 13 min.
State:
7 h 54 min
